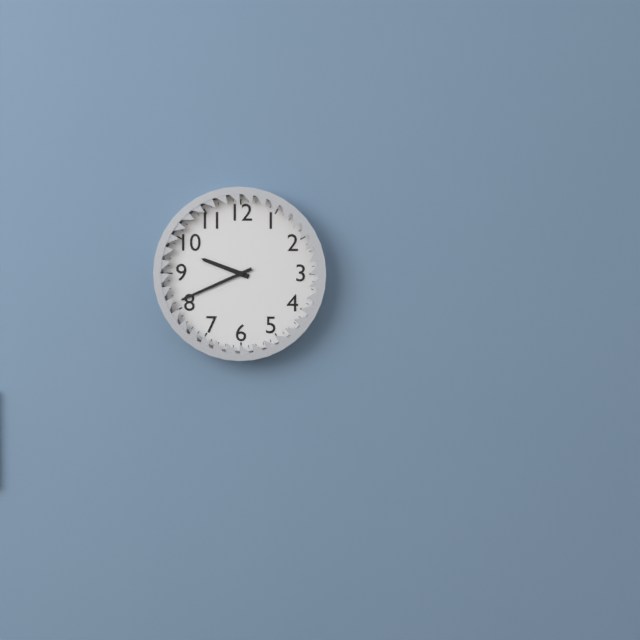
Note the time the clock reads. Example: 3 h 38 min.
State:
9 h 41 min
